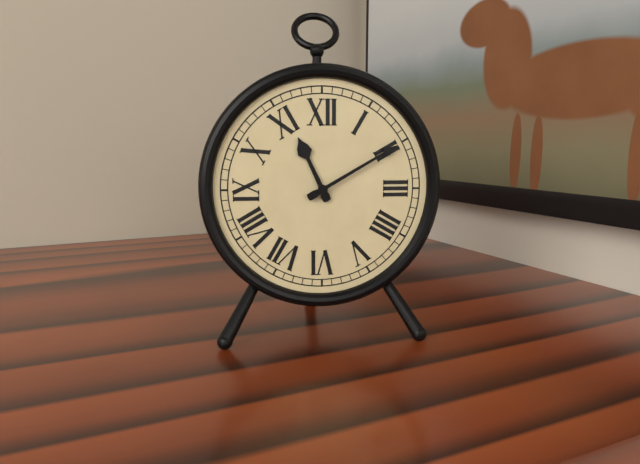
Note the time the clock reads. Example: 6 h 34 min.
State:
11 h 10 min
